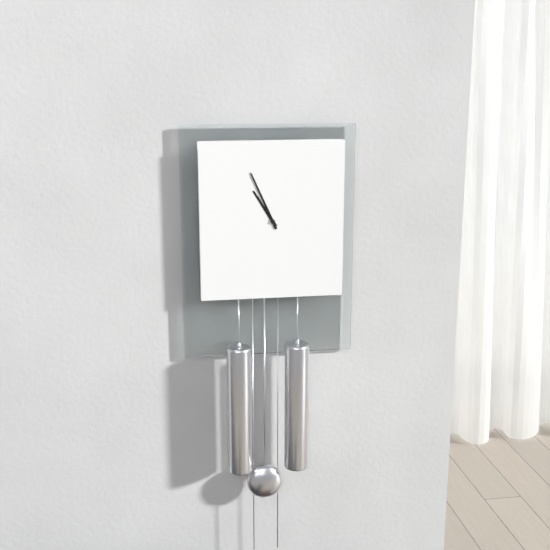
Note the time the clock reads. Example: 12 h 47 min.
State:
10 h 56 min
